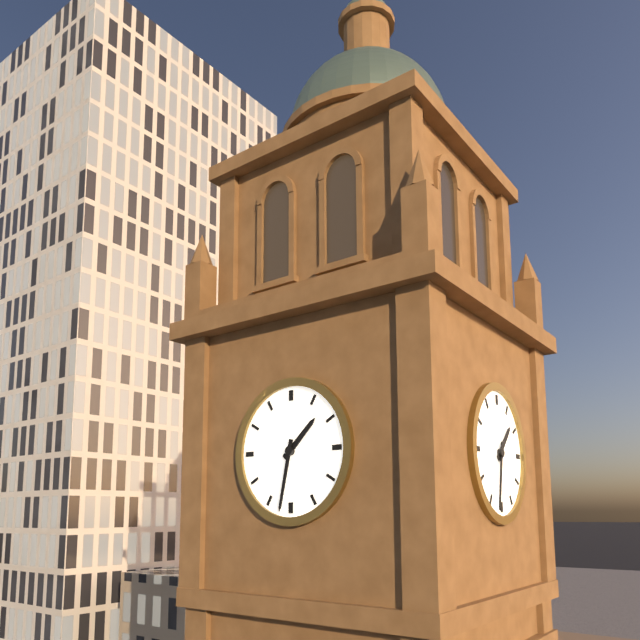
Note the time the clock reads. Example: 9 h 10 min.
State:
1 h 32 min
